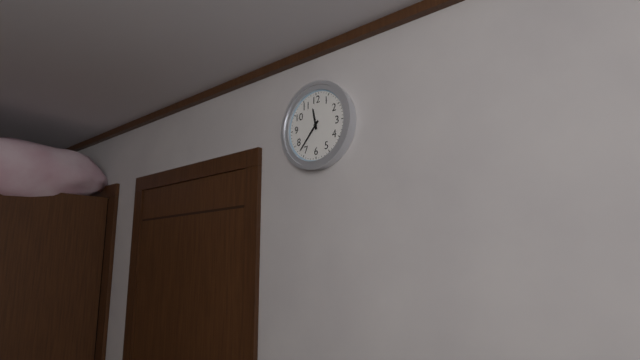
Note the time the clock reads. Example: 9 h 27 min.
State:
11 h 37 min
